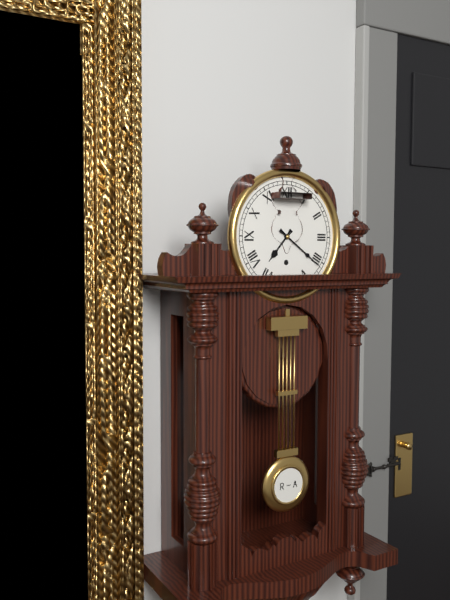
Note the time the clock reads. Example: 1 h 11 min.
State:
7 h 21 min
